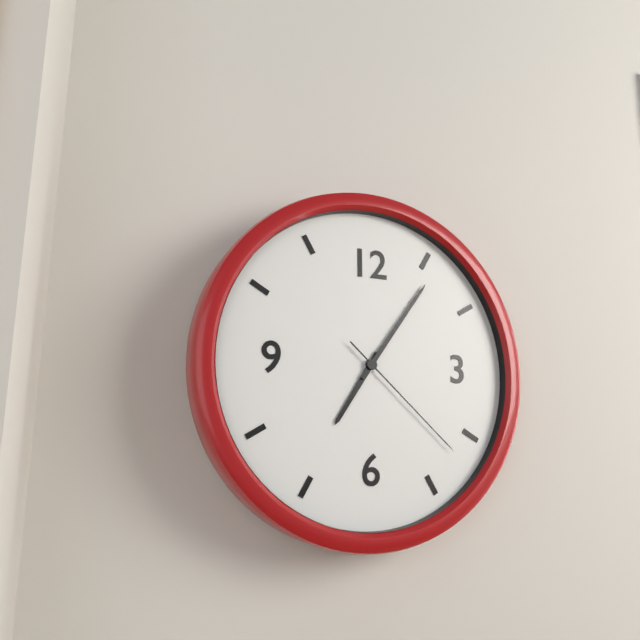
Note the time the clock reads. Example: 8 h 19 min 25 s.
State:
7 h 06 min 22 s
